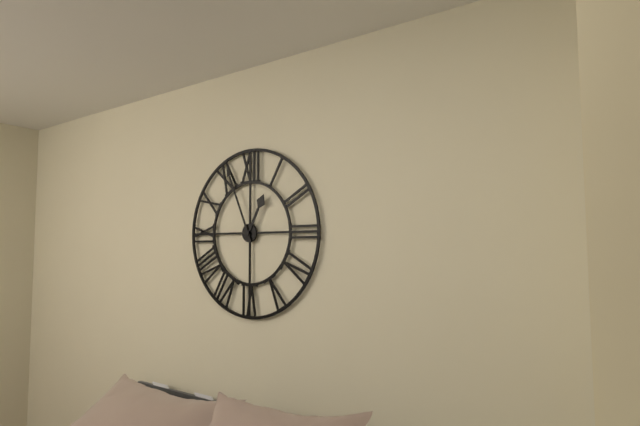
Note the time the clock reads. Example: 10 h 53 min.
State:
12 h 56 min
